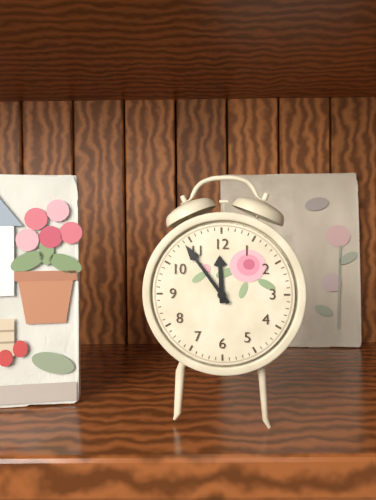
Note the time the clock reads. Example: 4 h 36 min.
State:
11 h 54 min
